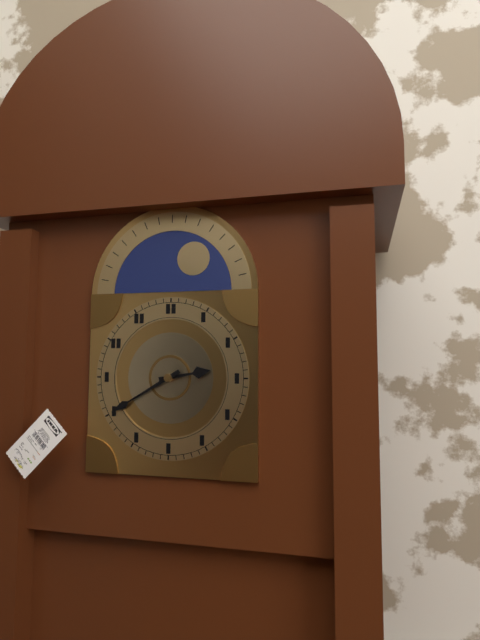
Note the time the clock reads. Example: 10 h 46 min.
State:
2 h 40 min
